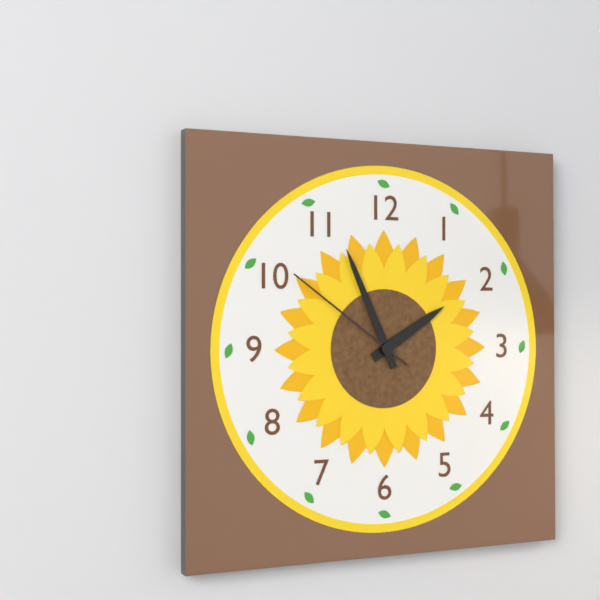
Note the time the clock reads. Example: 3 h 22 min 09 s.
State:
1 h 56 min 51 s
